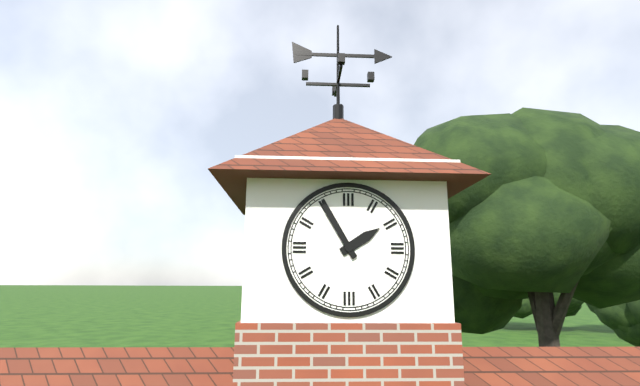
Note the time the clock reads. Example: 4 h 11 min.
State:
1 h 55 min
